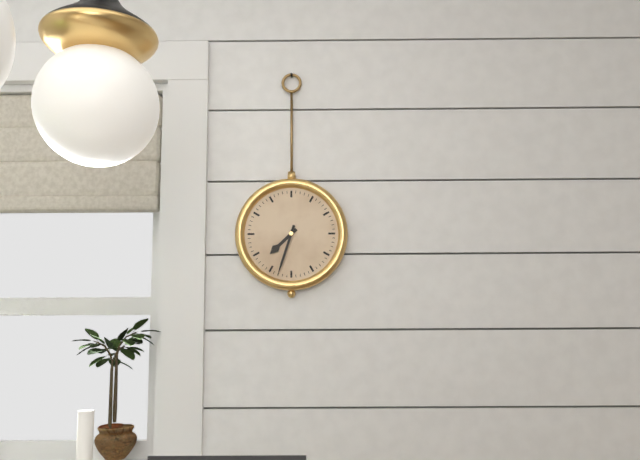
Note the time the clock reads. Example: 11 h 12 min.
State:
7 h 33 min
